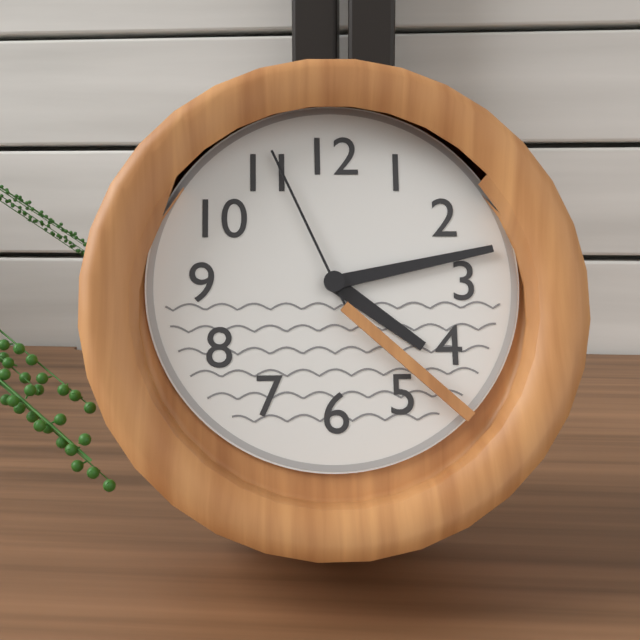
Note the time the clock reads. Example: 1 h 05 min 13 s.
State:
4 h 13 min 56 s
